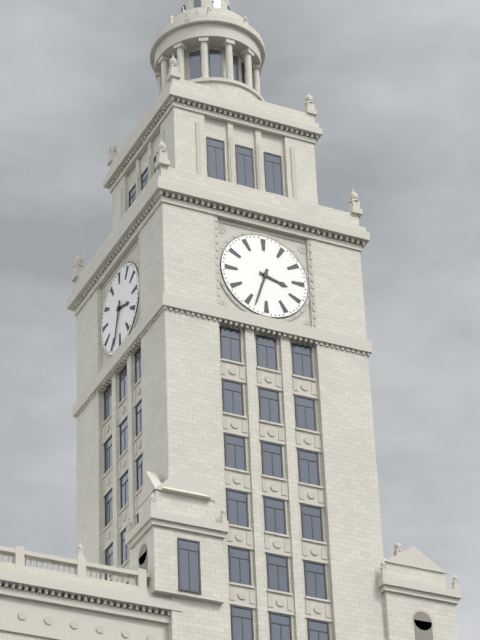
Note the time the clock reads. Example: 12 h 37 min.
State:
3 h 33 min
